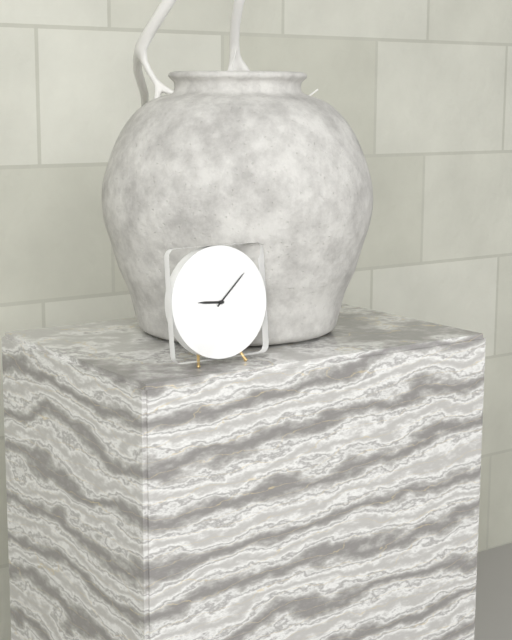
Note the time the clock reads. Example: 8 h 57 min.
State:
9 h 08 min
